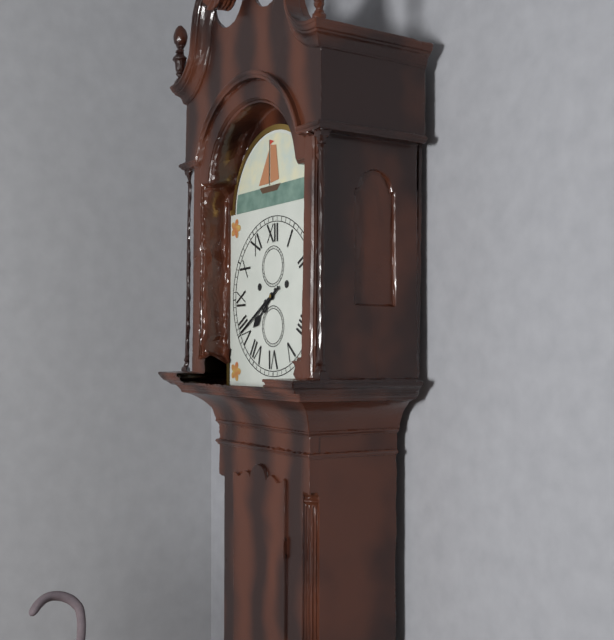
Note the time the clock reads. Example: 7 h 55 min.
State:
7 h 40 min
